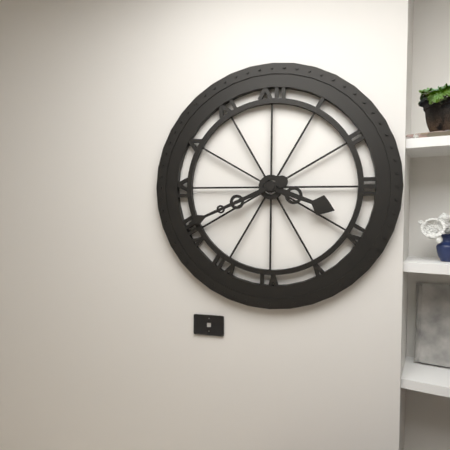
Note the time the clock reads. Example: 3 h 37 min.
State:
3 h 41 min
